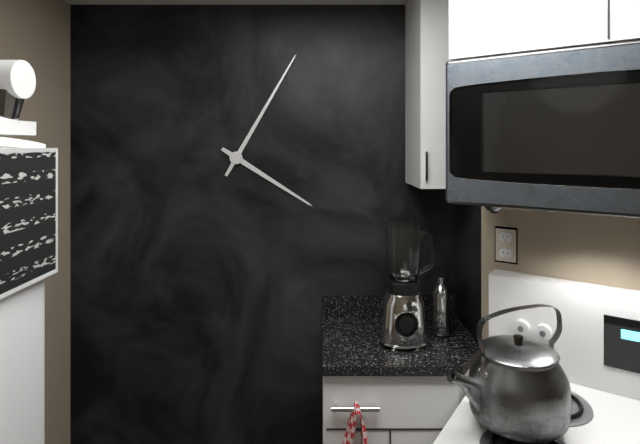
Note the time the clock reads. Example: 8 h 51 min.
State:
4 h 05 min
